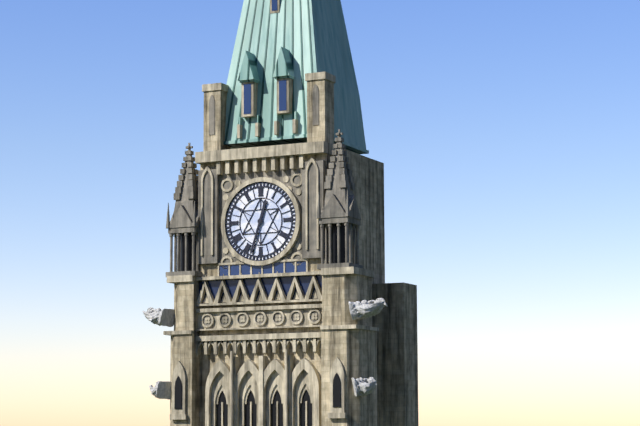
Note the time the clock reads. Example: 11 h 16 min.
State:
12 h 33 min
